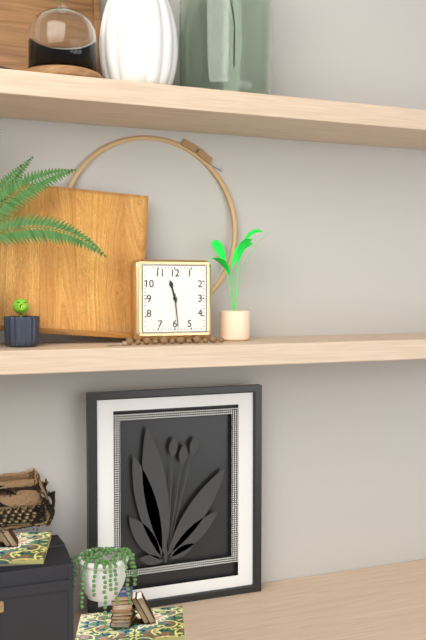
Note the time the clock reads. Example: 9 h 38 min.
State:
11 h 29 min
